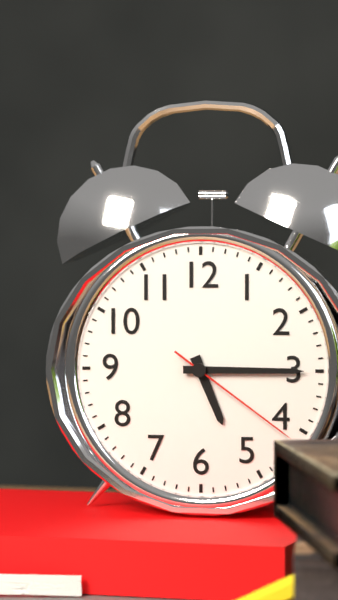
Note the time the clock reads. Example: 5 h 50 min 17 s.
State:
5 h 15 min 21 s
